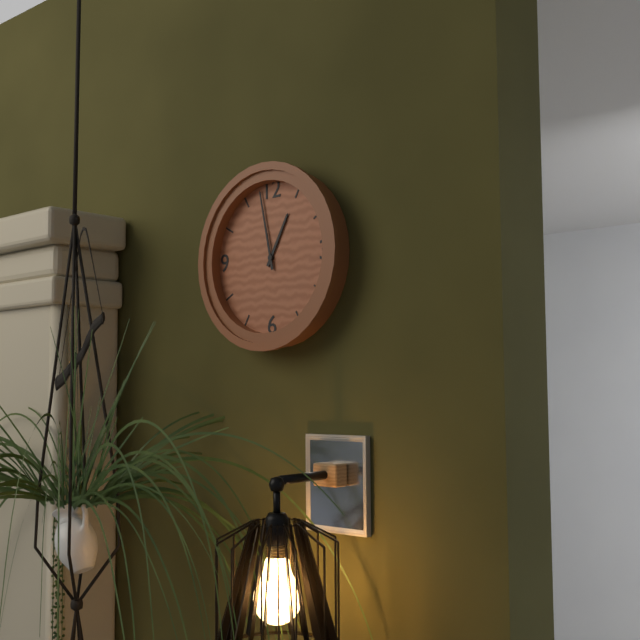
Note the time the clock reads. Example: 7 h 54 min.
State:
12 h 58 min
